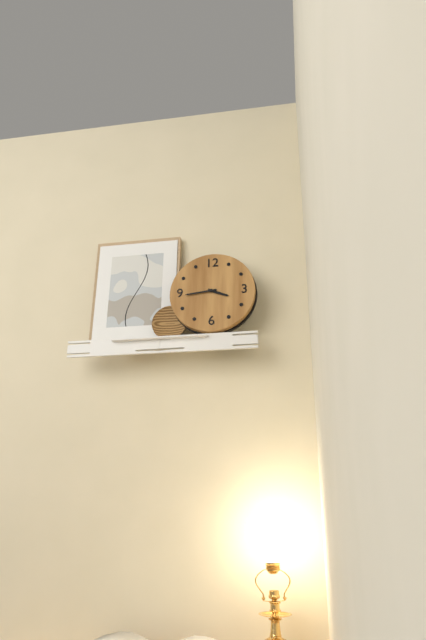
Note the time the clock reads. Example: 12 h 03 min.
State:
3 h 44 min
